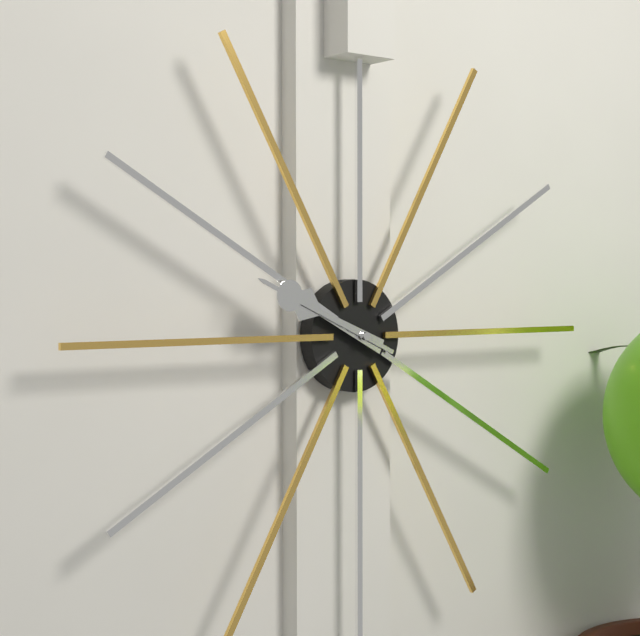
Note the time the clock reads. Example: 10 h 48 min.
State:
9 h 49 min
